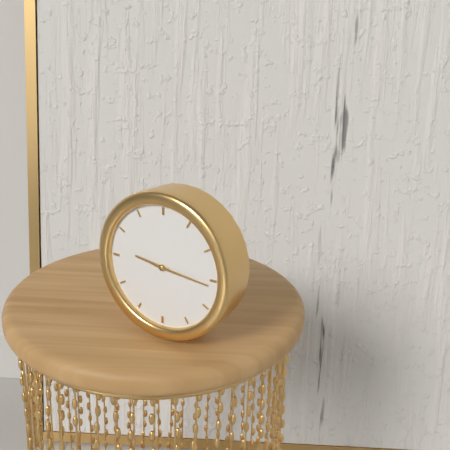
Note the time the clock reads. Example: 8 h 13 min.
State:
9 h 16 min
